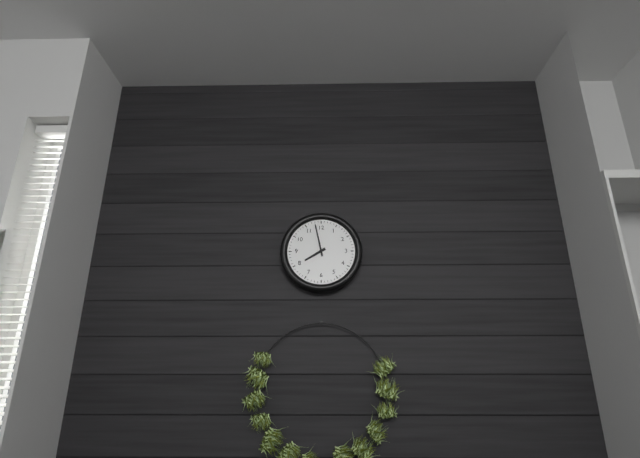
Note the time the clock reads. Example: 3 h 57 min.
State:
7 h 58 min
